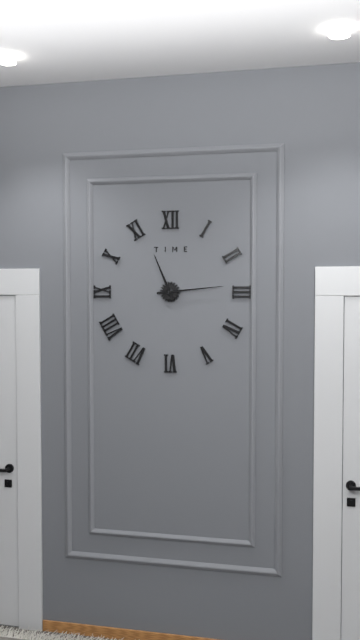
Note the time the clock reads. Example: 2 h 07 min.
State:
11 h 14 min
